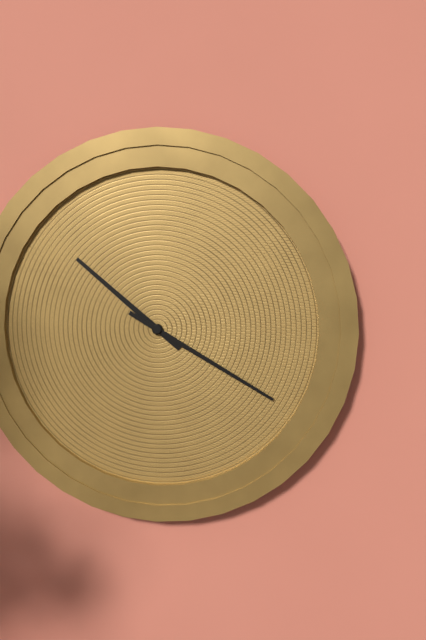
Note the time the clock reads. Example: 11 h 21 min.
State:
10 h 20 min
